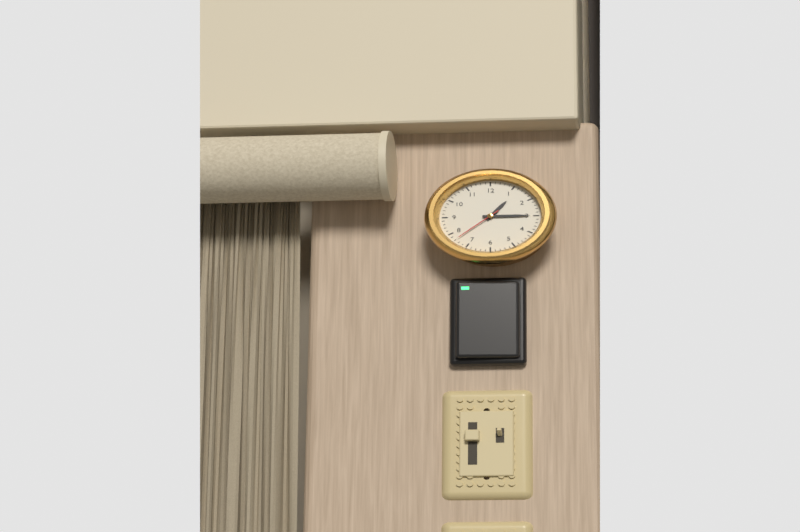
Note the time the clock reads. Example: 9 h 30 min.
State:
1 h 15 min
